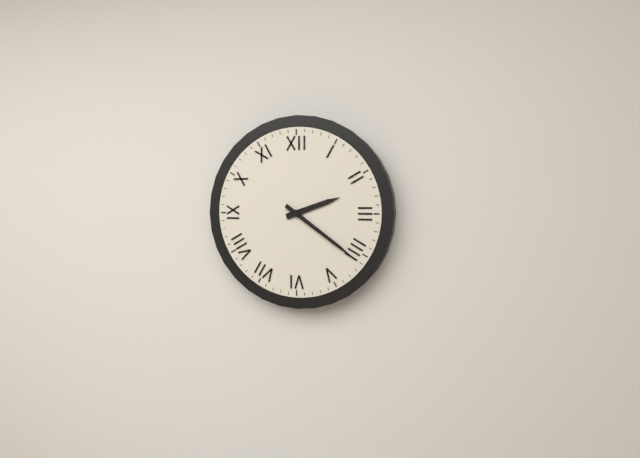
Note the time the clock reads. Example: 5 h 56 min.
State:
2 h 21 min
